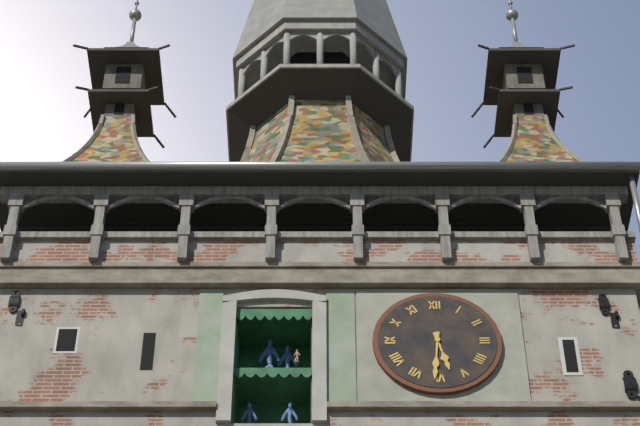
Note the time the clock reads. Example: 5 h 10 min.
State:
5 h 31 min
